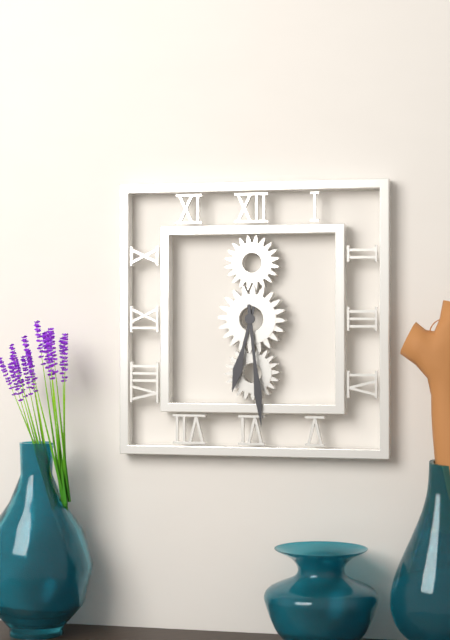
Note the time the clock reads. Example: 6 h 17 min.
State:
6 h 29 min
